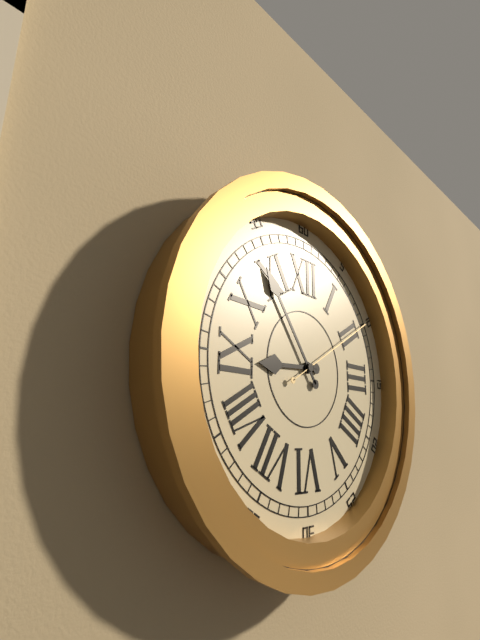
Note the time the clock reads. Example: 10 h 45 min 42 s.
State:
8 h 54 min 10 s
